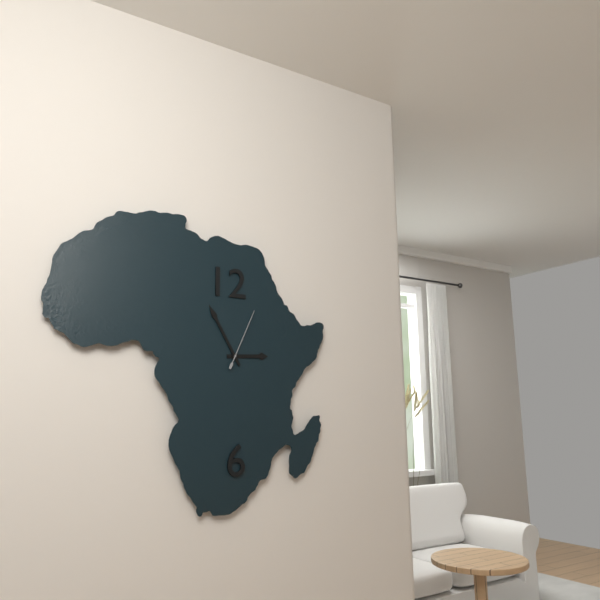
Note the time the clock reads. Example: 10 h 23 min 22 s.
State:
2 h 55 min 04 s
